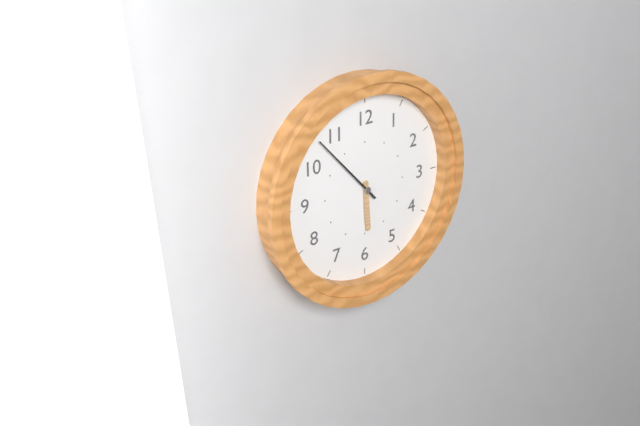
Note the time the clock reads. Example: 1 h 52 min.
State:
5 h 53 min
